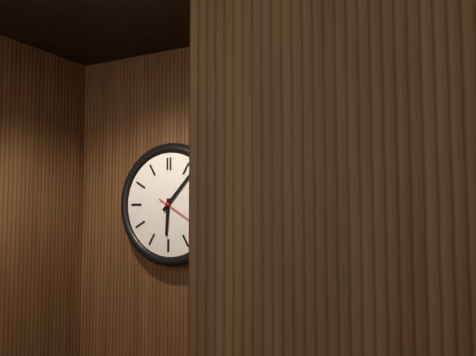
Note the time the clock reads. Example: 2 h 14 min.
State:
6 h 07 min
